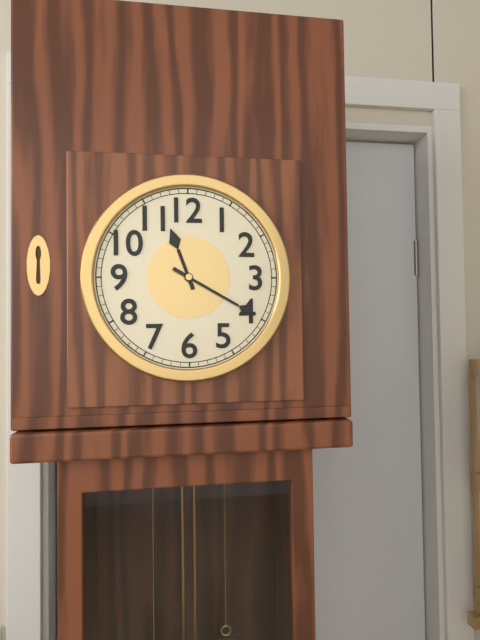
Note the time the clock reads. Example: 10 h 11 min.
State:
11 h 20 min
